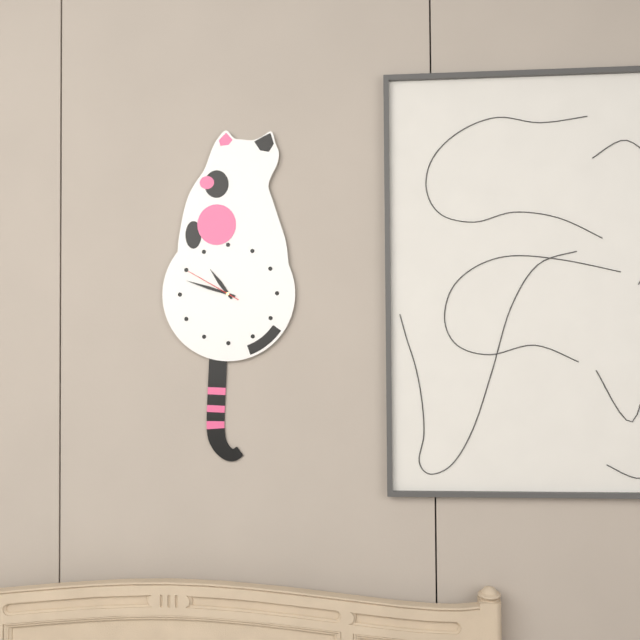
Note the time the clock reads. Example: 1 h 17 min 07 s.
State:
10 h 48 min 50 s
